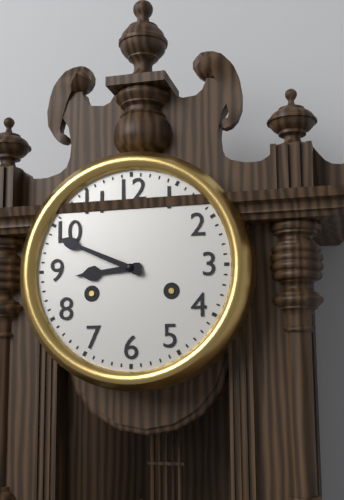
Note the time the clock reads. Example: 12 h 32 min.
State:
8 h 49 min
